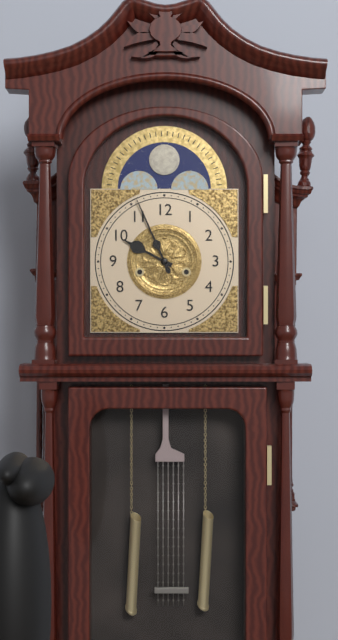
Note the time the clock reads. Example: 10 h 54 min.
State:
9 h 56 min
